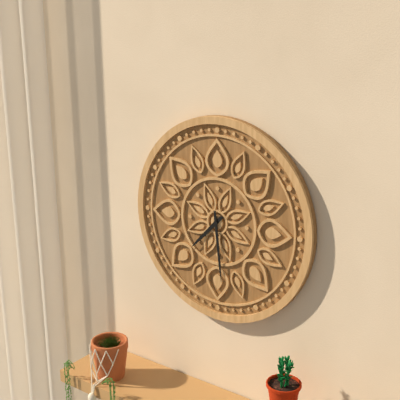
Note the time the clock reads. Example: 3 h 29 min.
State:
7 h 29 min
